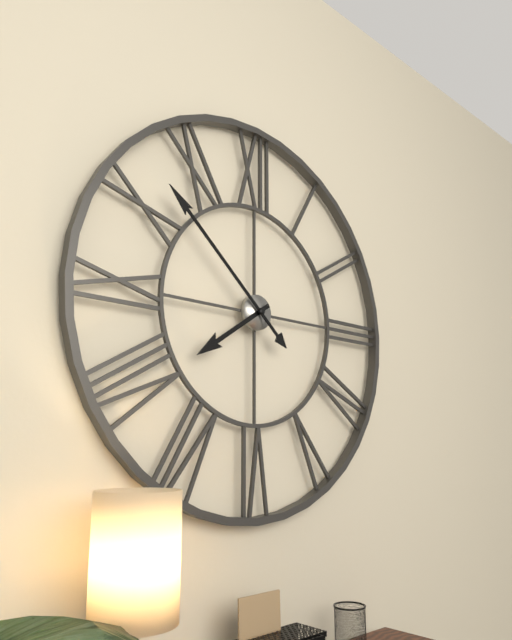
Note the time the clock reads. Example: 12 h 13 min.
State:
7 h 52 min
